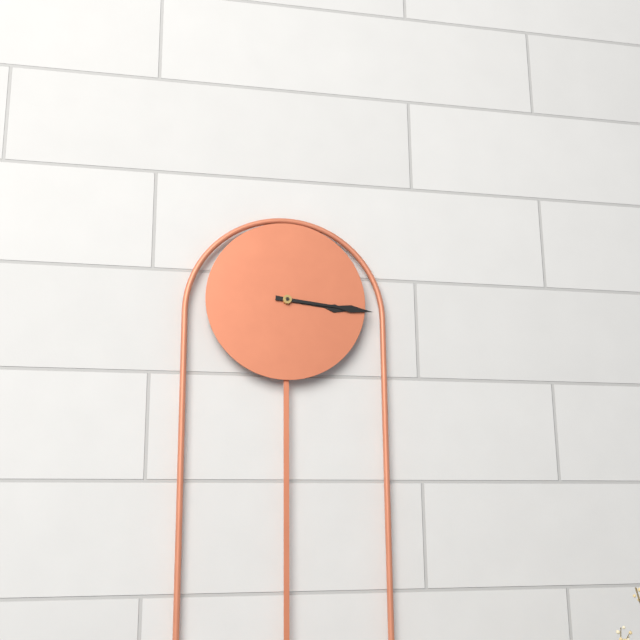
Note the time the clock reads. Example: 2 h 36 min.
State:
3 h 16 min
